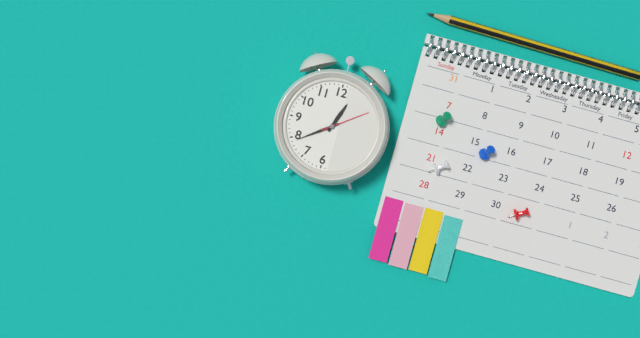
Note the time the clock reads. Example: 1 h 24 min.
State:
12 h 39 min
